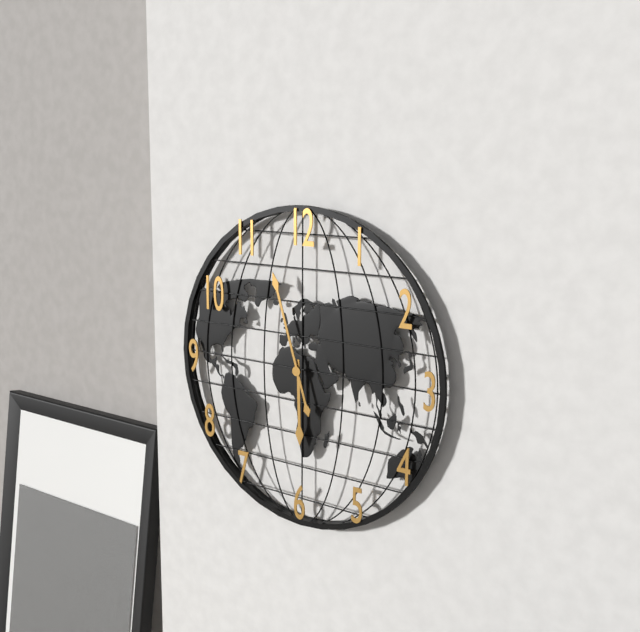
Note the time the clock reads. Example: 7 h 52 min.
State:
5 h 57 min
